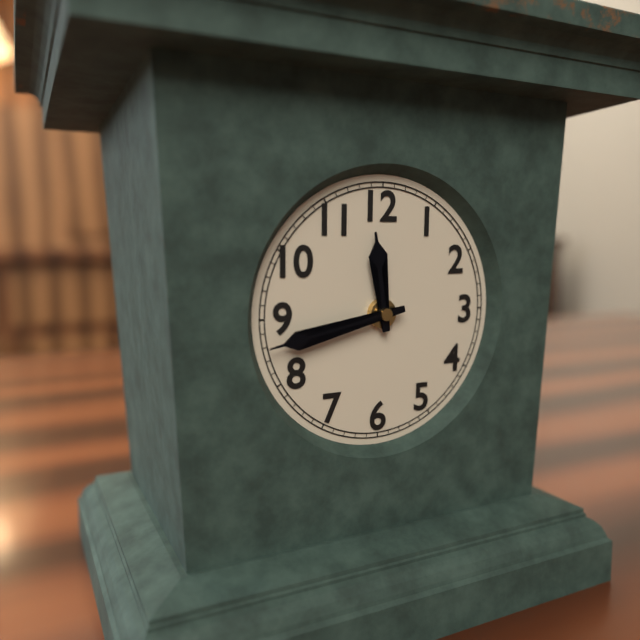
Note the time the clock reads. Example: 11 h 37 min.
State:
11 h 43 min
